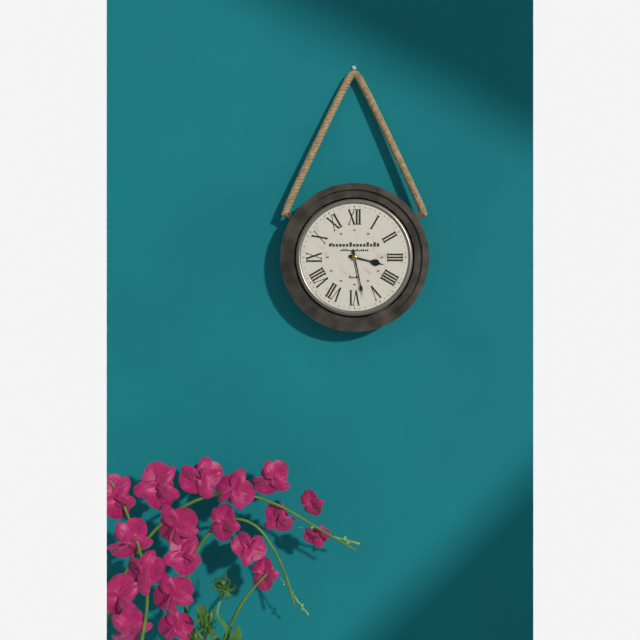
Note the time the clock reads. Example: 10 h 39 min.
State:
3 h 28 min
